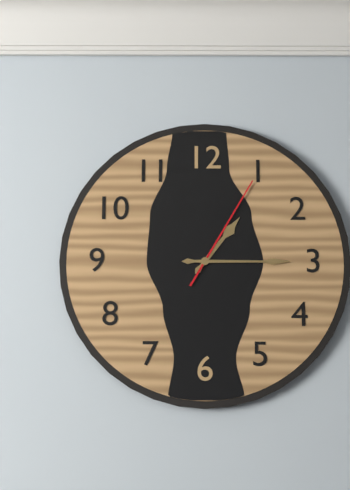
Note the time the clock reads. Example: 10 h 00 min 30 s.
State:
1 h 15 min 05 s
